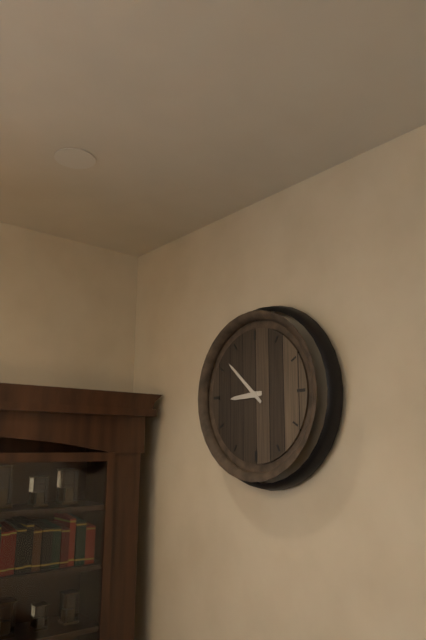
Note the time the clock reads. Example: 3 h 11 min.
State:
8 h 52 min
